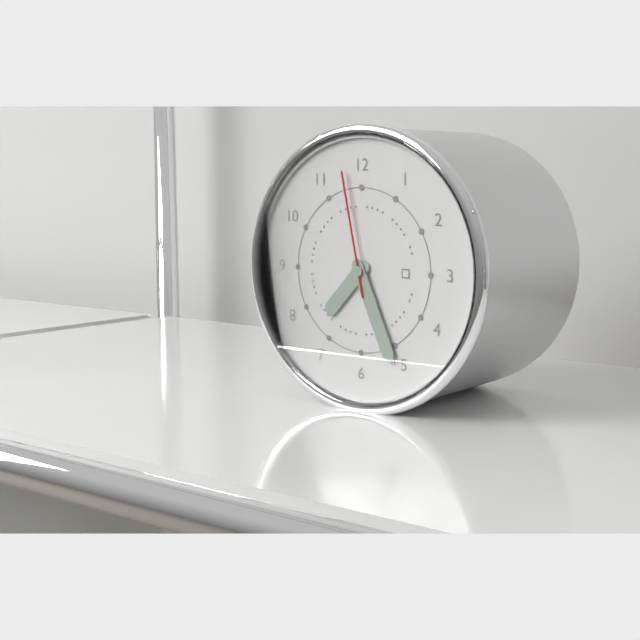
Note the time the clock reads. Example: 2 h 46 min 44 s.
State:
7 h 26 min 58 s
